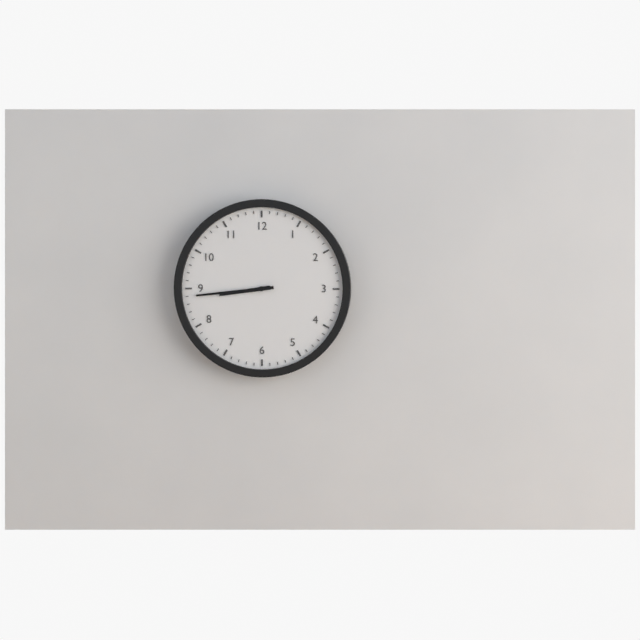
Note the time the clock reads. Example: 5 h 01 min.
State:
8 h 44 min
